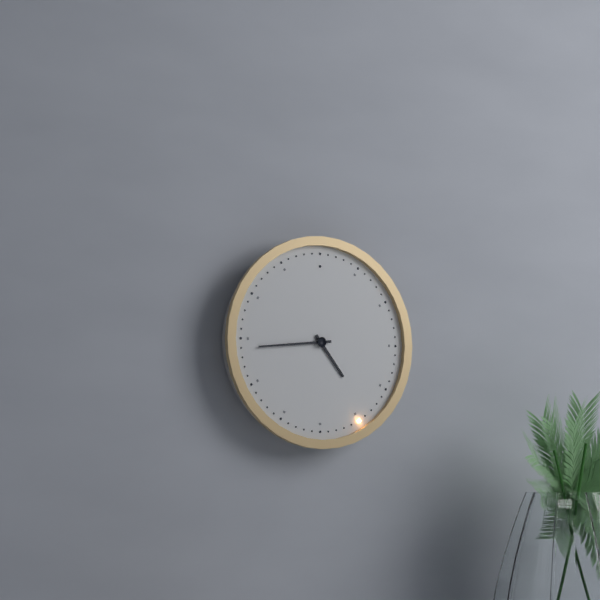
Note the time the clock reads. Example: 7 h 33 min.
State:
4 h 44 min
